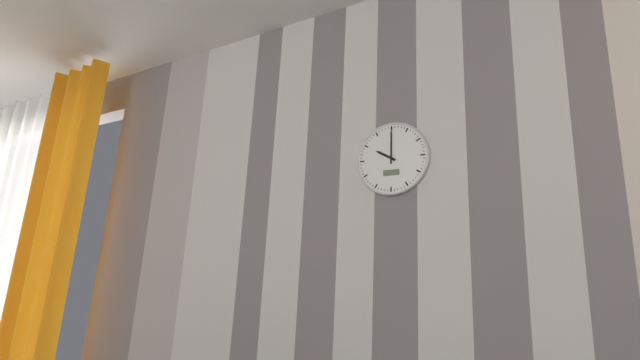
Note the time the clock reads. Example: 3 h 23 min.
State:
10 h 00 min
